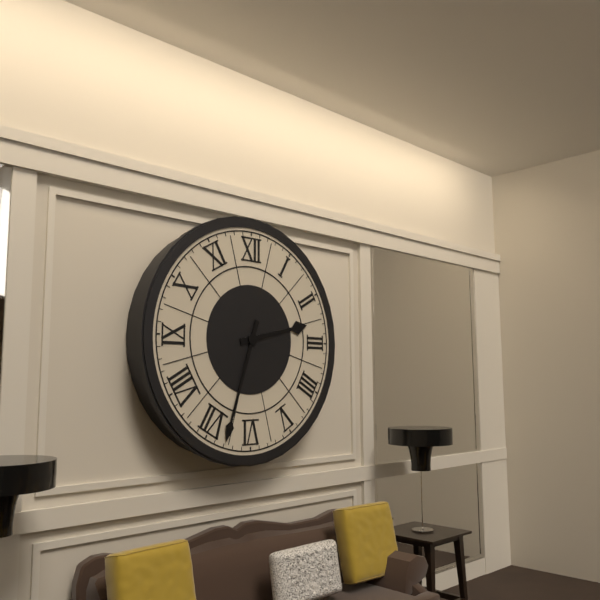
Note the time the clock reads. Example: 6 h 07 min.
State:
2 h 33 min
